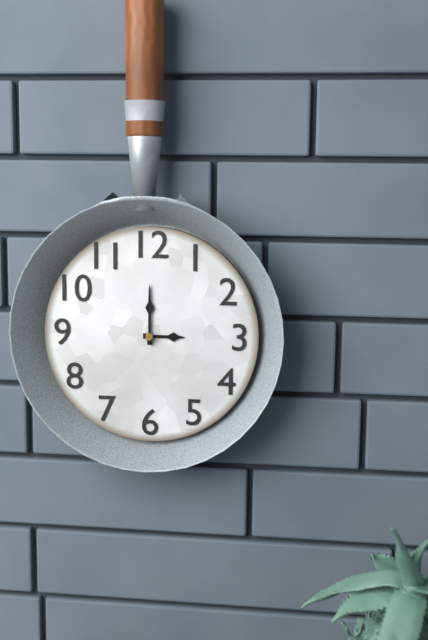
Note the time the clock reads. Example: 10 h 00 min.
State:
3 h 00 min
